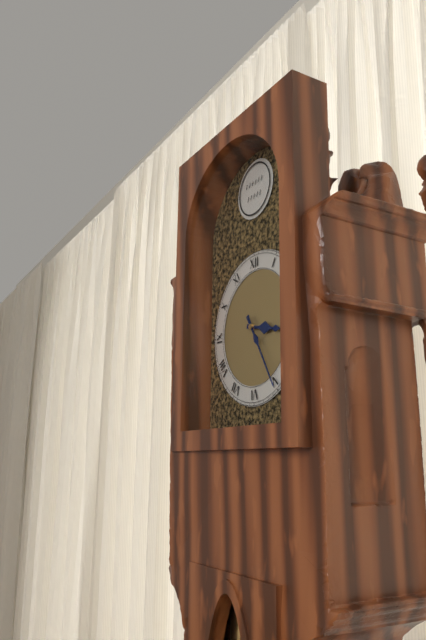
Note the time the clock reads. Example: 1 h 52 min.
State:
3 h 25 min
